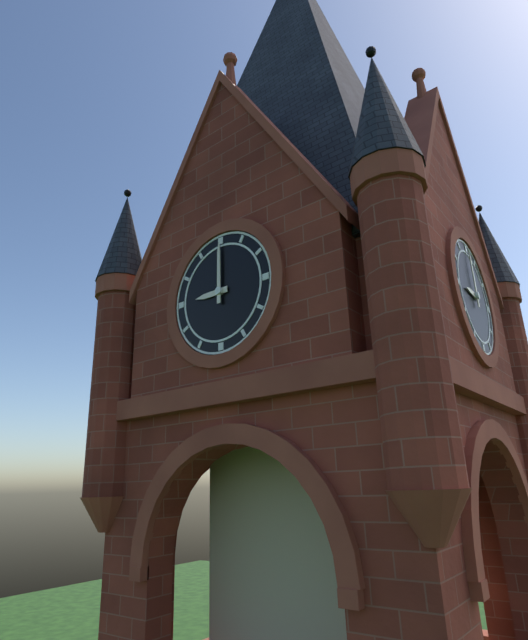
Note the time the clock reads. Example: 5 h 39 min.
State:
9 h 00 min
